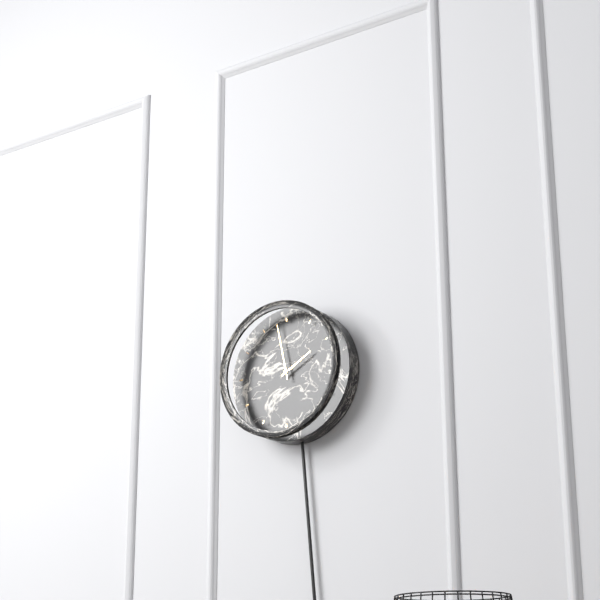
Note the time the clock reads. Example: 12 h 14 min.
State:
1 h 58 min
